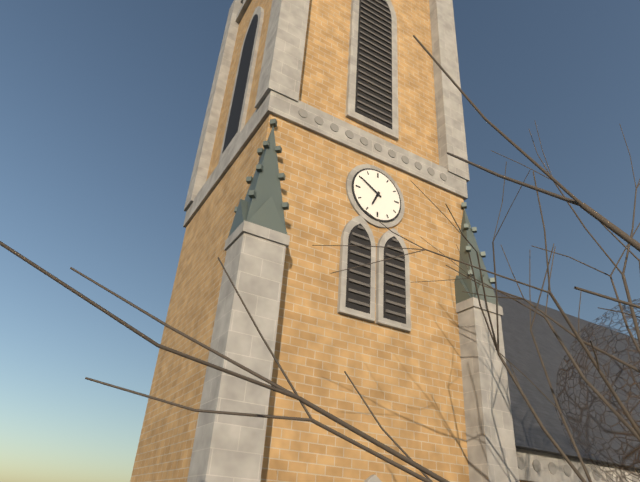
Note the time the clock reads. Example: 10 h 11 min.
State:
6 h 50 min
